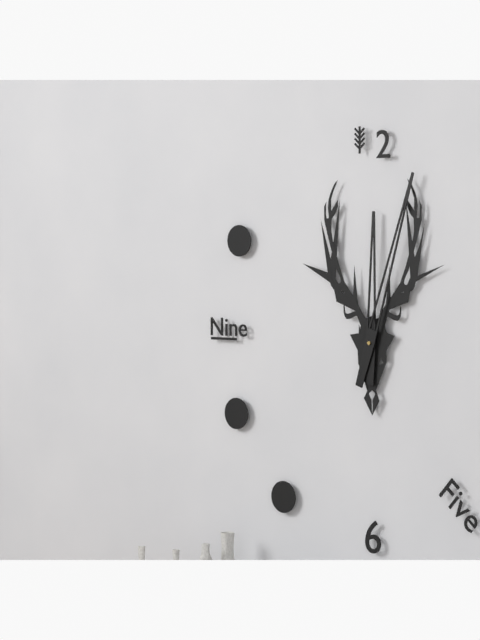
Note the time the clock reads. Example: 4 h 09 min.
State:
12 h 03 min
